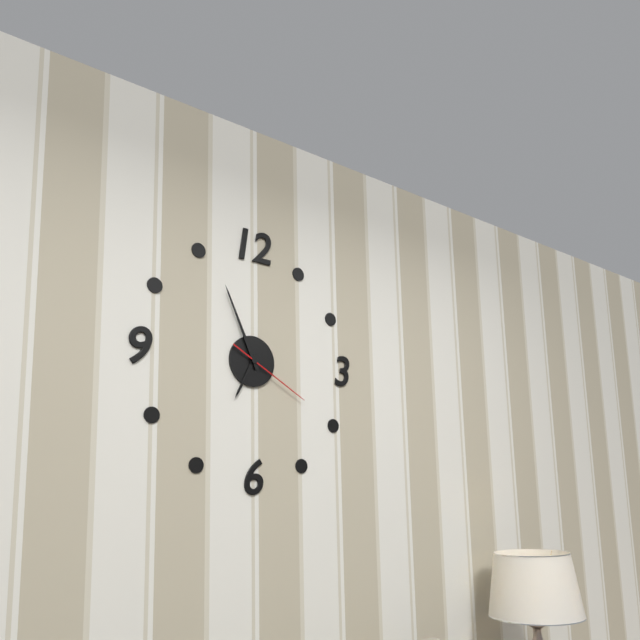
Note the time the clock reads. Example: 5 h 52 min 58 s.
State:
6 h 56 min 20 s
